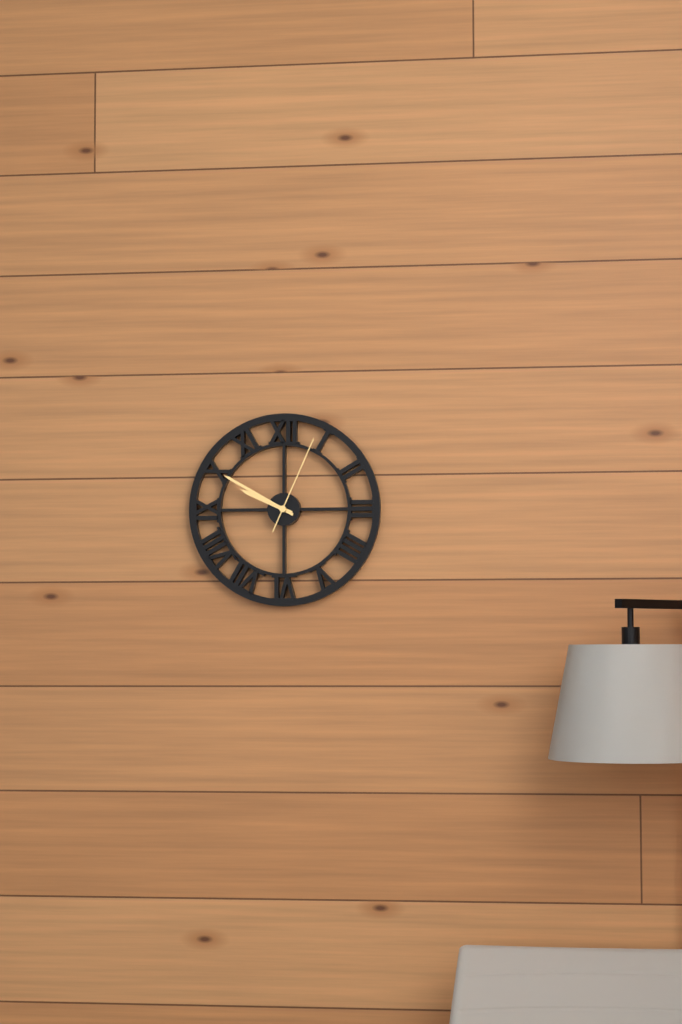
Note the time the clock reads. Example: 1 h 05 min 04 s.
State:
9 h 50 min 04 s
